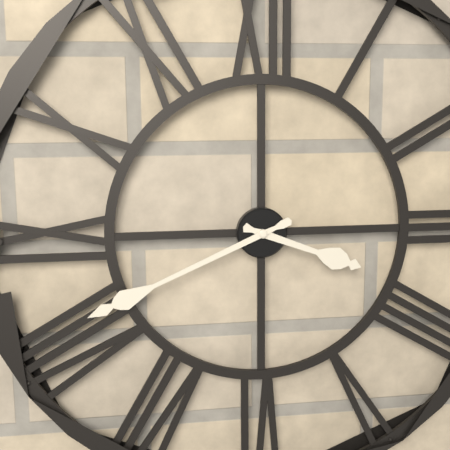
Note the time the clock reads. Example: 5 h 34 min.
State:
3 h 41 min
